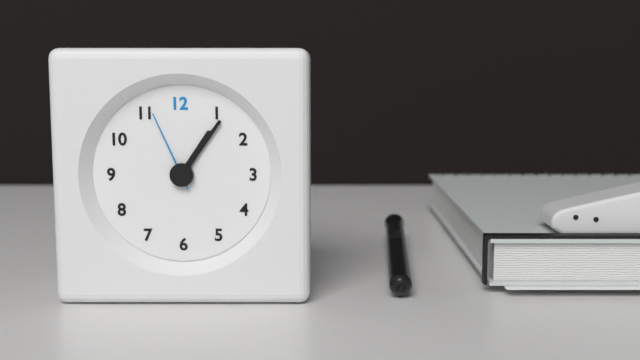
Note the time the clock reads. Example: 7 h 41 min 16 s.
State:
1 h 06 min 56 s
